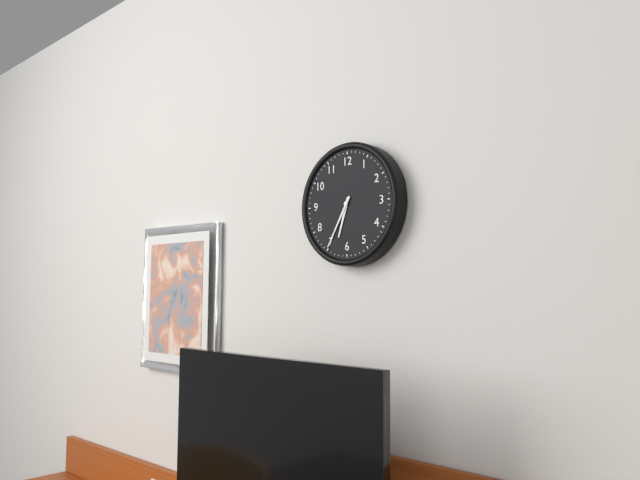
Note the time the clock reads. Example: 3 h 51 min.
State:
6 h 35 min
